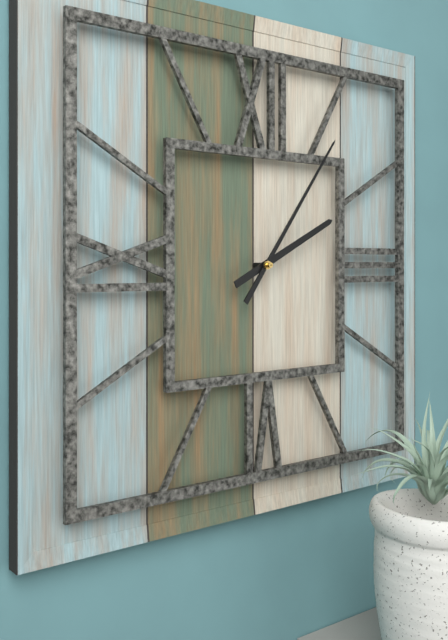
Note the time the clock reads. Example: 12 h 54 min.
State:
2 h 06 min
